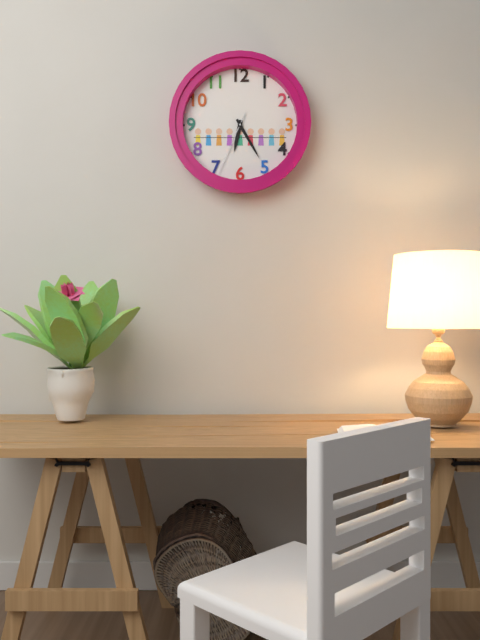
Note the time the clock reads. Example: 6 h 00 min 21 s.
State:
6 h 25 min 34 s
